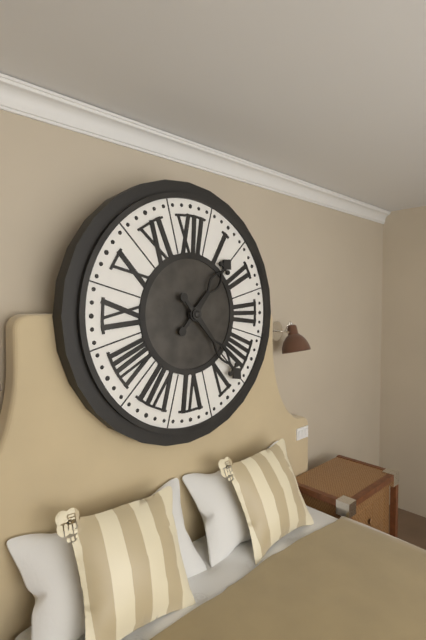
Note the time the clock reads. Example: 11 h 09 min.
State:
1 h 23 min
